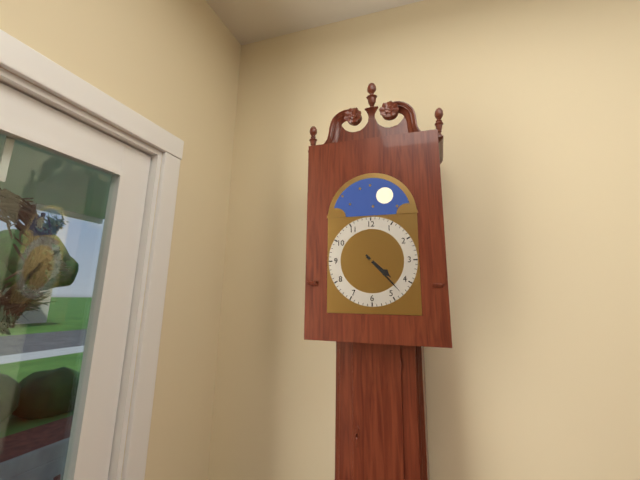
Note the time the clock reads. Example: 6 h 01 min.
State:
4 h 23 min
